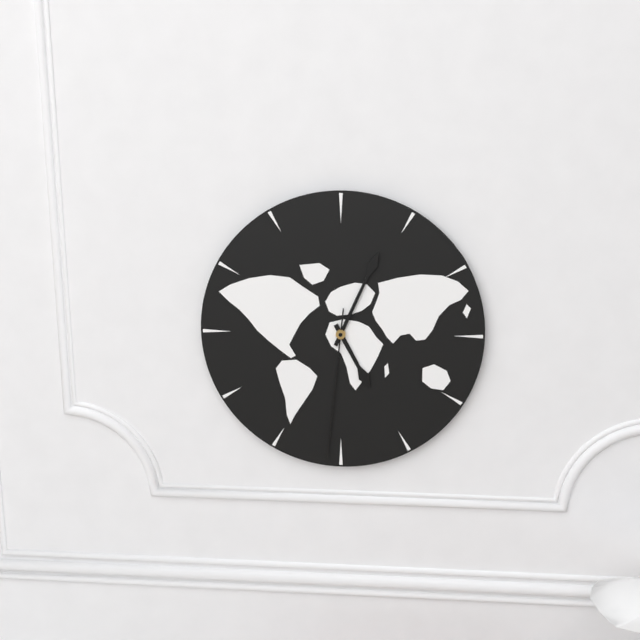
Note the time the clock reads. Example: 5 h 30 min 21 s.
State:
5 h 04 min 31 s
